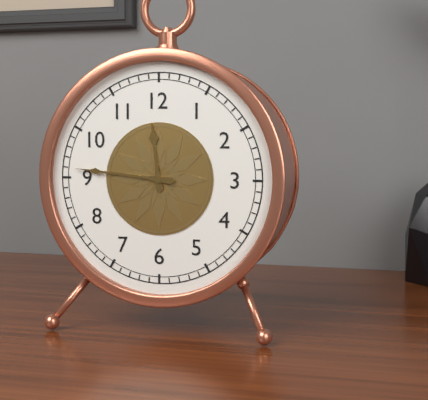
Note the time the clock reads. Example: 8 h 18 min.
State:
11 h 46 min
